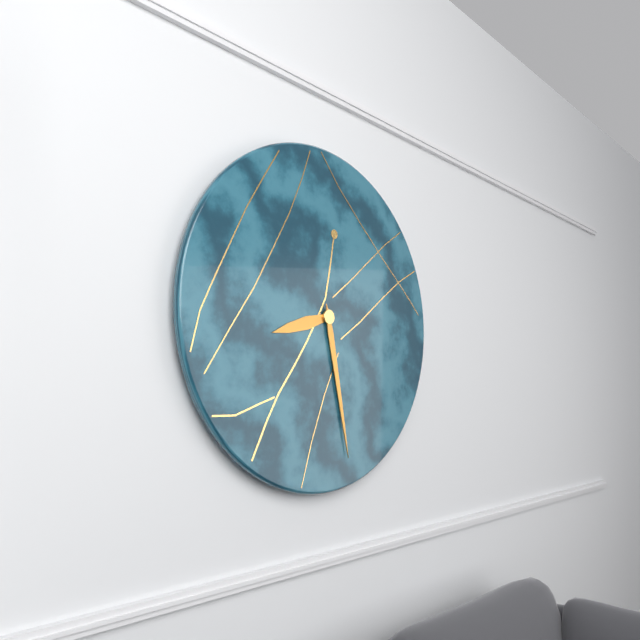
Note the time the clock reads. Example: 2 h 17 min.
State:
8 h 28 min
